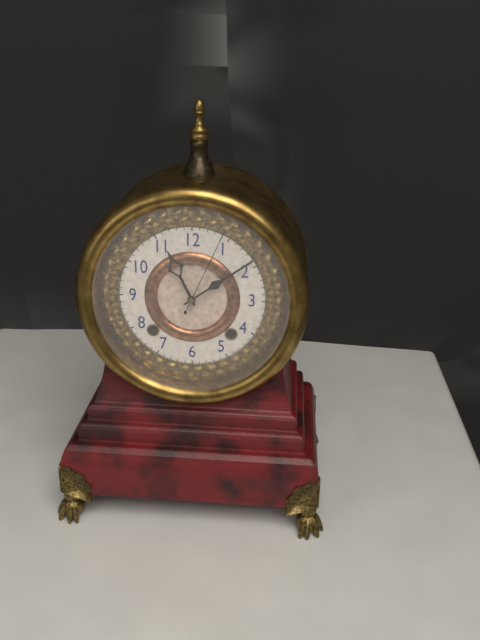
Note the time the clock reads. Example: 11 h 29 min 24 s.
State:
11 h 09 min 04 s
